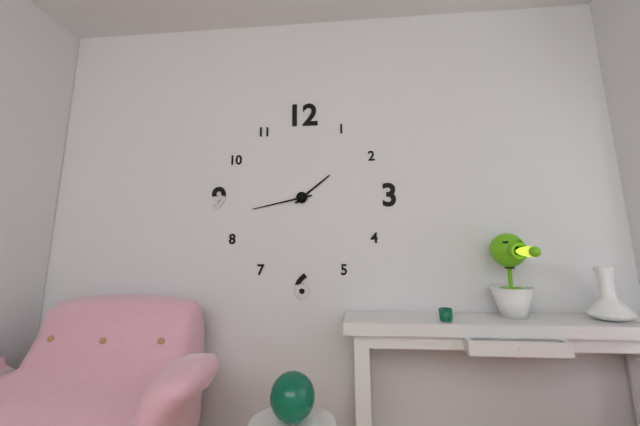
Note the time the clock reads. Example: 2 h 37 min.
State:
1 h 43 min
